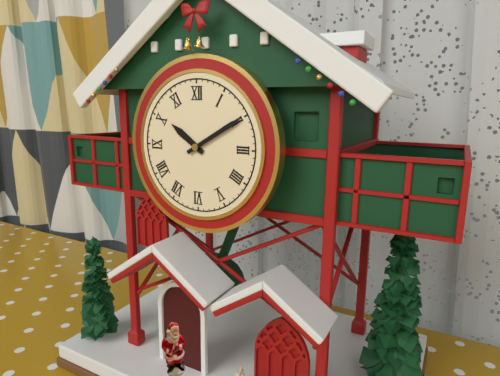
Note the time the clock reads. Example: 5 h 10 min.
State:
10 h 10 min
